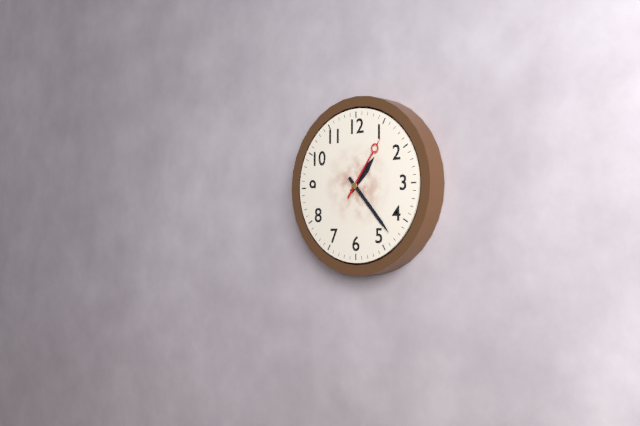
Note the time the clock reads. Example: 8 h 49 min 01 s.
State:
1 h 23 min 06 s
